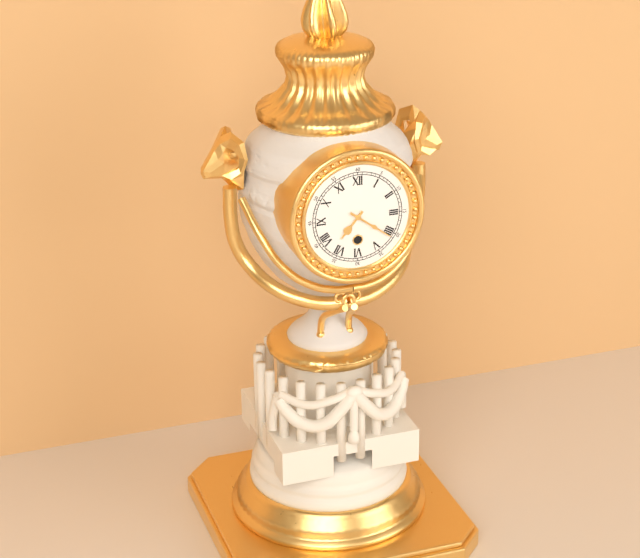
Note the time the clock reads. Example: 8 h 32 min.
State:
7 h 21 min
